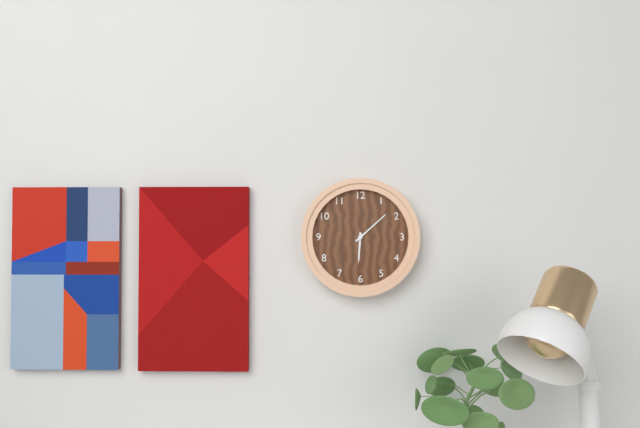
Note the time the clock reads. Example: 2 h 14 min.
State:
6 h 08 min
